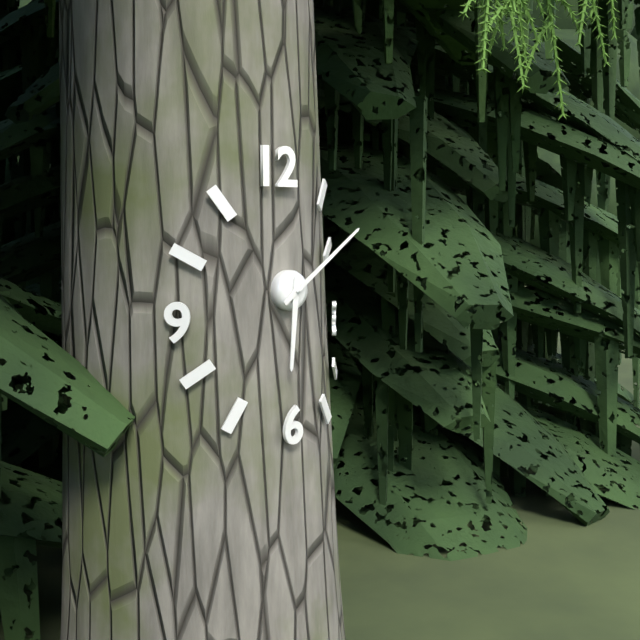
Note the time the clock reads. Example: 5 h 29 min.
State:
6 h 09 min
